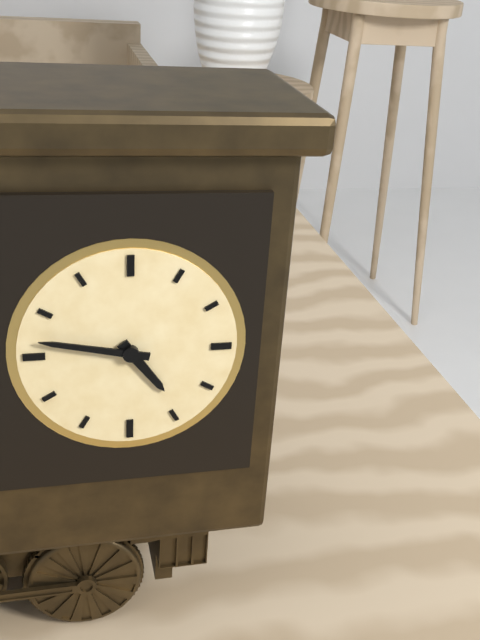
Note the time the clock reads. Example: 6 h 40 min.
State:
4 h 47 min
